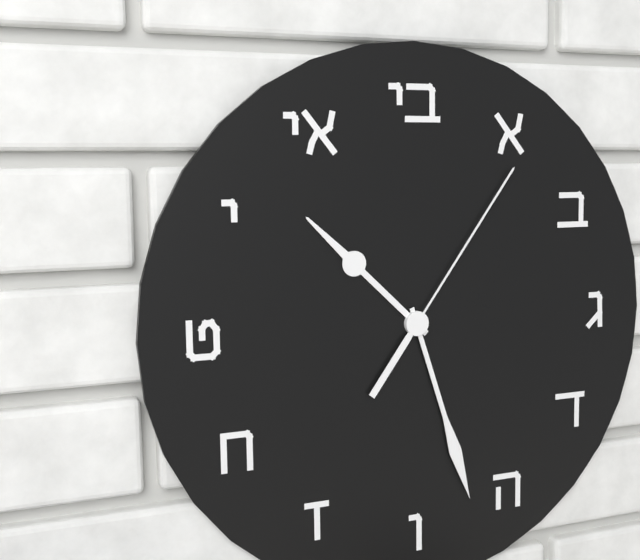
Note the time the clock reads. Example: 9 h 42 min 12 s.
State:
10 h 27 min 06 s
